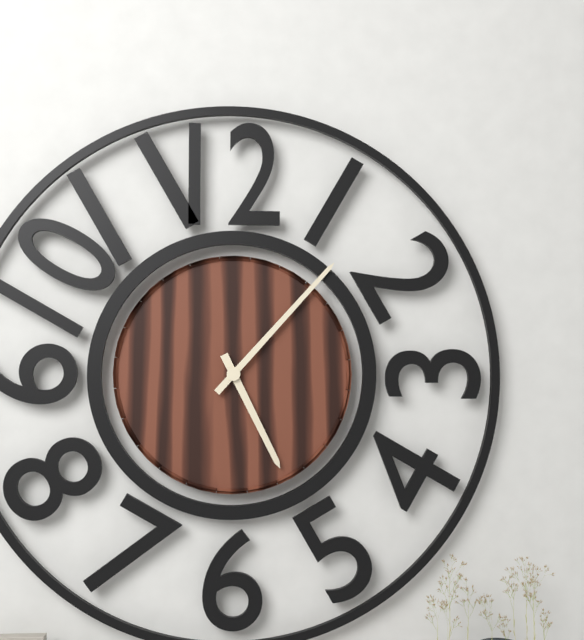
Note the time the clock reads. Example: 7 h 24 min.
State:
5 h 07 min
